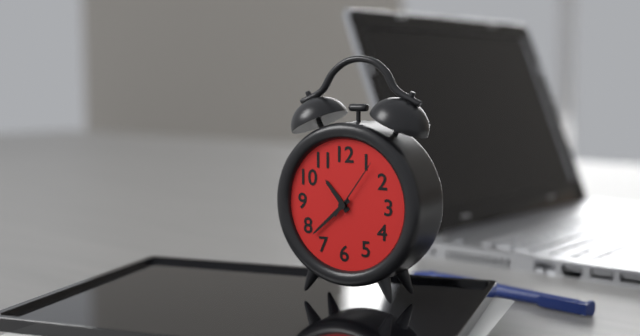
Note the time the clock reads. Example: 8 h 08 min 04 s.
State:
10 h 38 min 06 s
